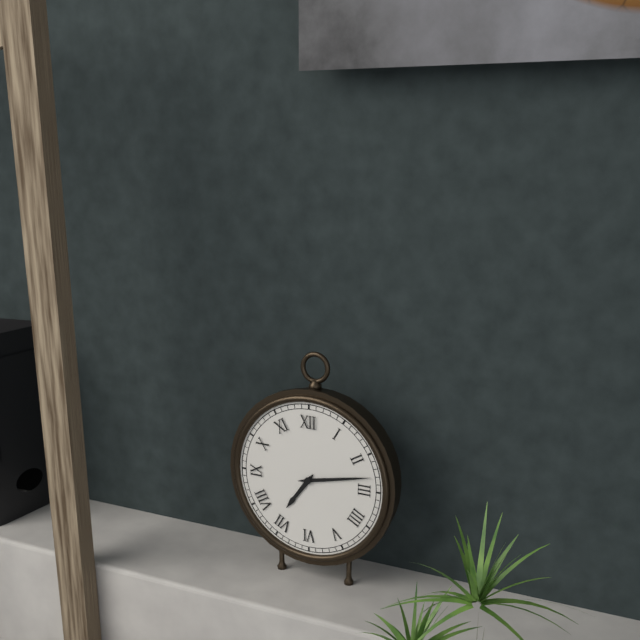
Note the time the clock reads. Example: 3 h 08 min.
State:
7 h 13 min
